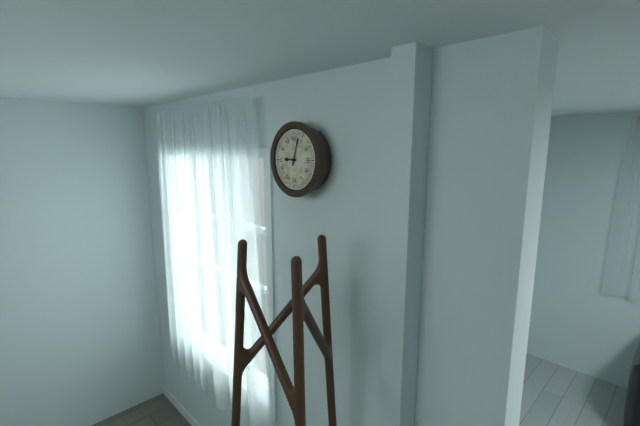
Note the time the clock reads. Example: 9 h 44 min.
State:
9 h 03 min
